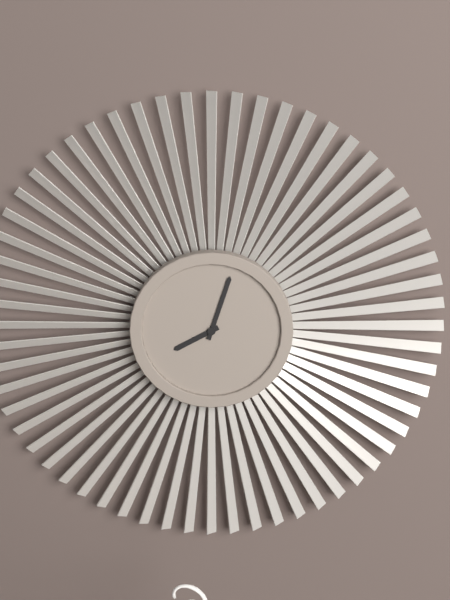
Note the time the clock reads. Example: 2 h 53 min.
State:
8 h 03 min
